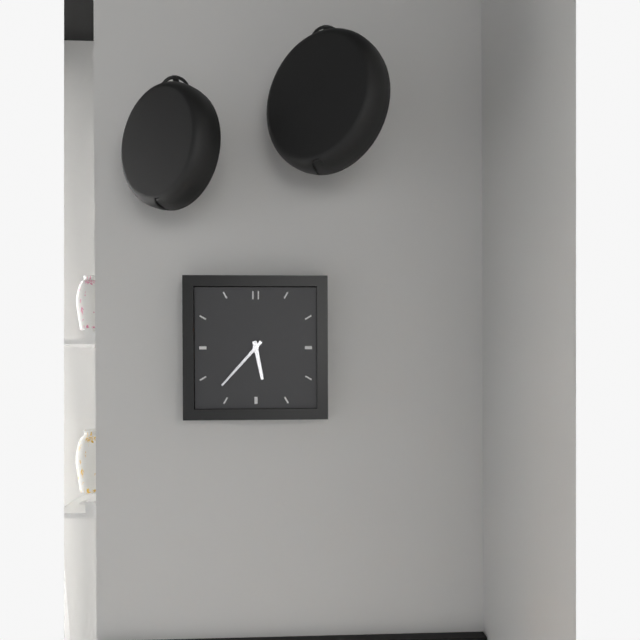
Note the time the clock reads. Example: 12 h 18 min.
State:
5 h 37 min
